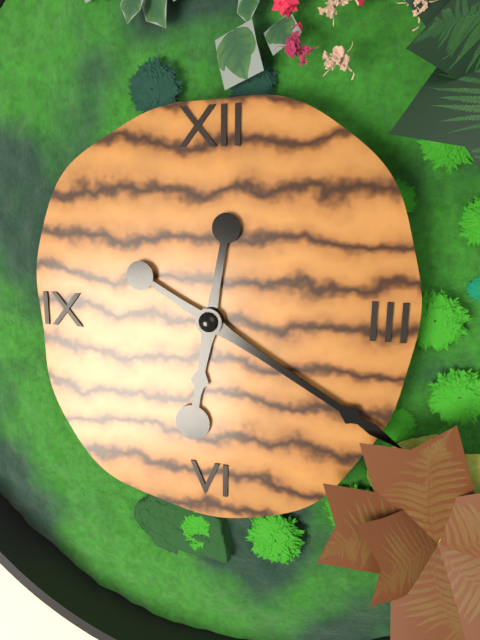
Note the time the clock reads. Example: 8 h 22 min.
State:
6 h 20 min
